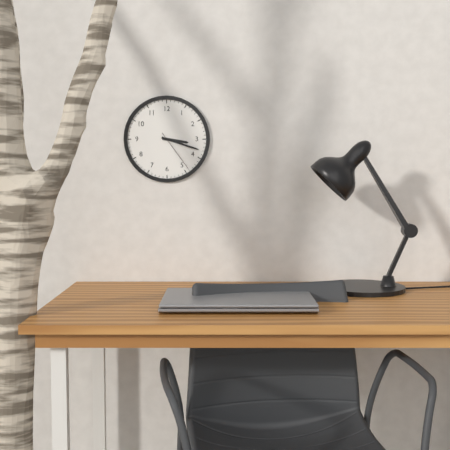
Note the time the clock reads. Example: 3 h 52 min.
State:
3 h 18 min
